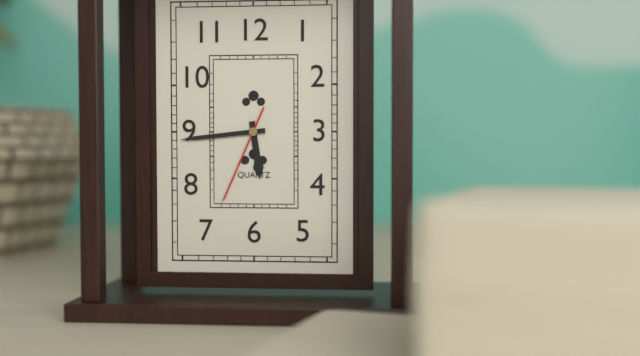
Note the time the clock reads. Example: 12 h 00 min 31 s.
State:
5 h 44 min 34 s
